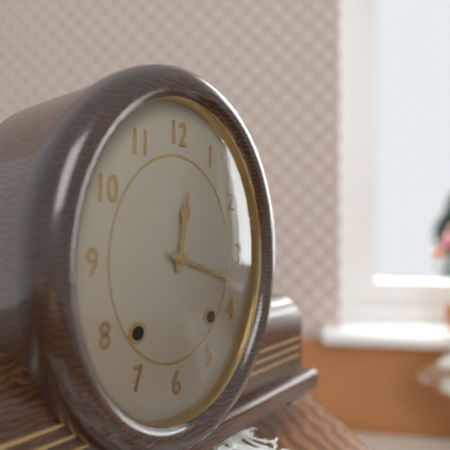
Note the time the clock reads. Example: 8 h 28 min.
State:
12 h 18 min
